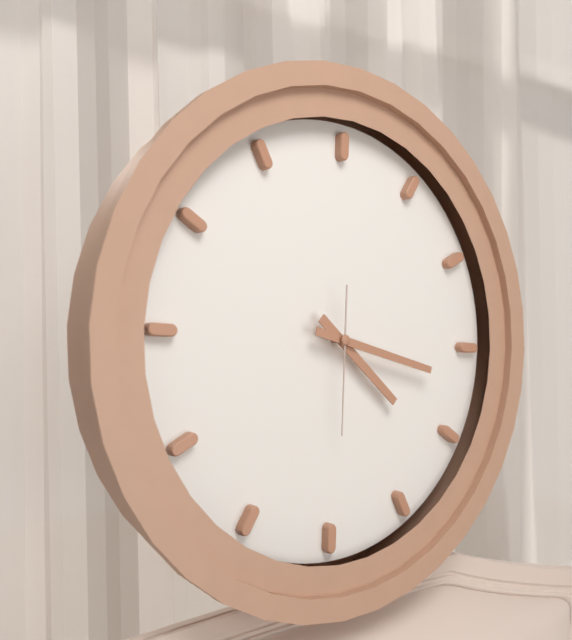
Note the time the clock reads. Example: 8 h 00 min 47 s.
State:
4 h 17 min 30 s
